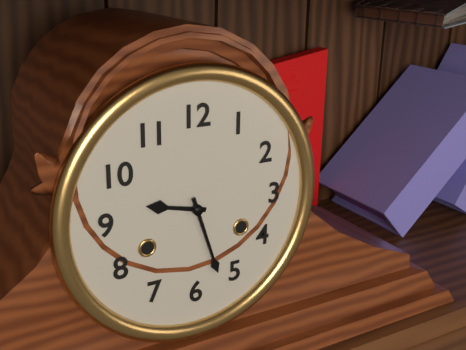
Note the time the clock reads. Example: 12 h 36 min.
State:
9 h 27 min
